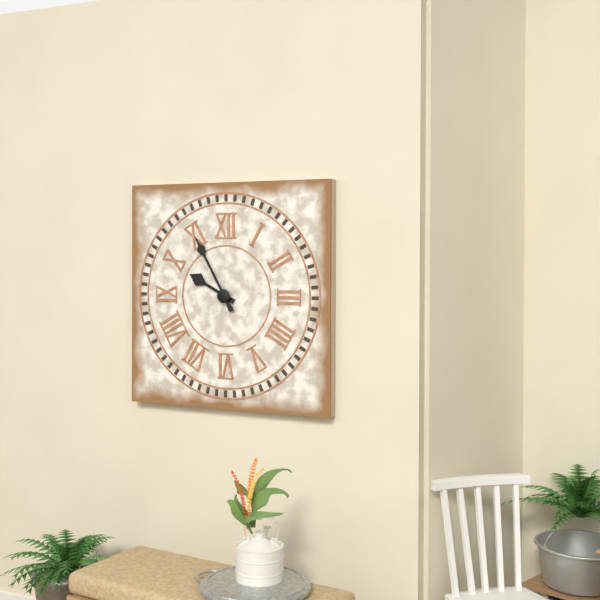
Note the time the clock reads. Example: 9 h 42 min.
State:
9 h 55 min
